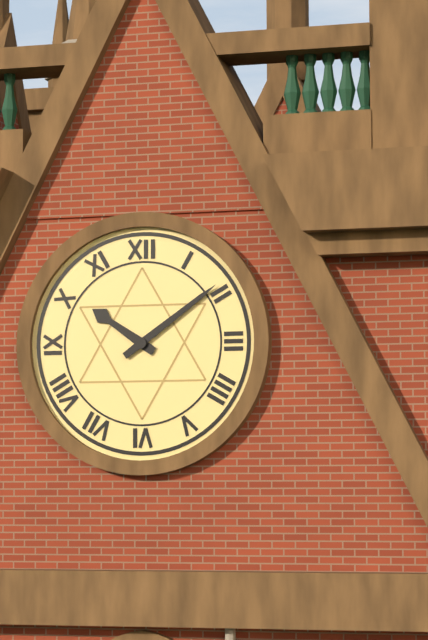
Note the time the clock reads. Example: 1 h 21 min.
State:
10 h 09 min
